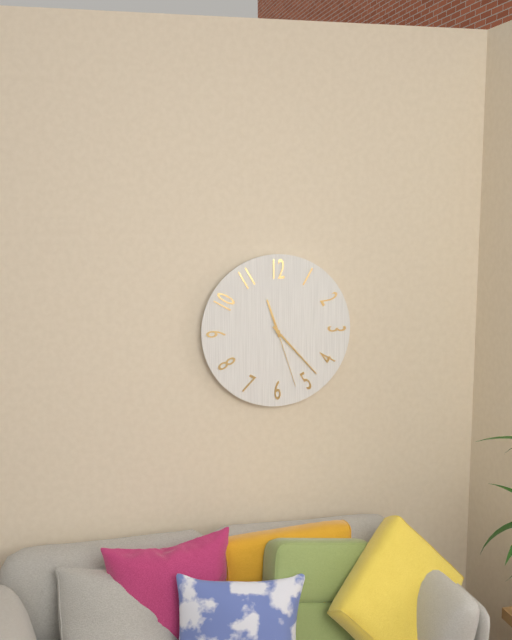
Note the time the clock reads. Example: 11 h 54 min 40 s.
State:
11 h 23 min 27 s
